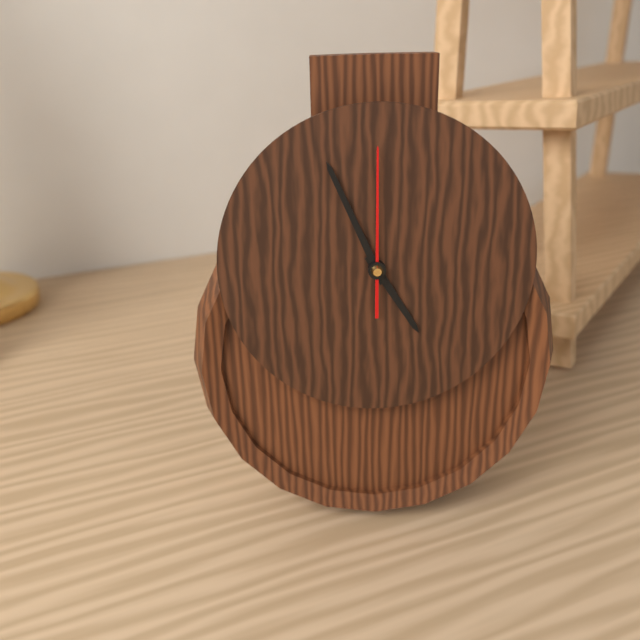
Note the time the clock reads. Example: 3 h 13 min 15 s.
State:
4 h 56 min 00 s
